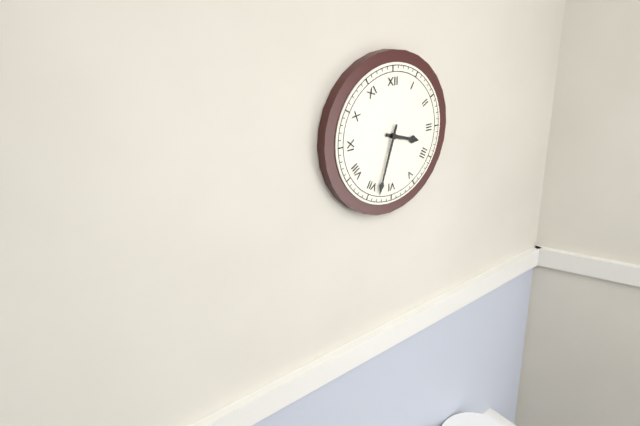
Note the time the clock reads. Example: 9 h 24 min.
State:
3 h 33 min
